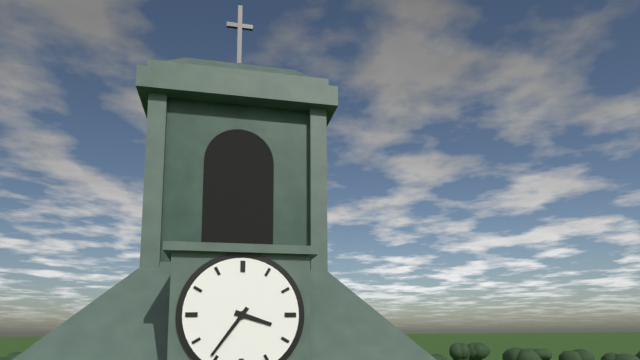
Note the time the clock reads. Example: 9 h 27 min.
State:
3 h 36 min
